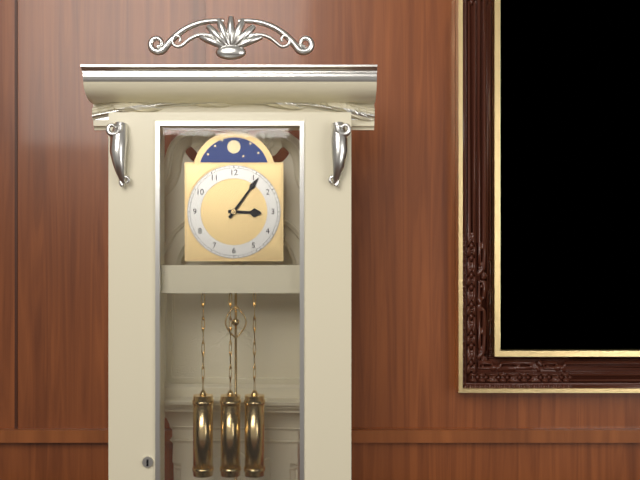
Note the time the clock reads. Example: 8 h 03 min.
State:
3 h 06 min
